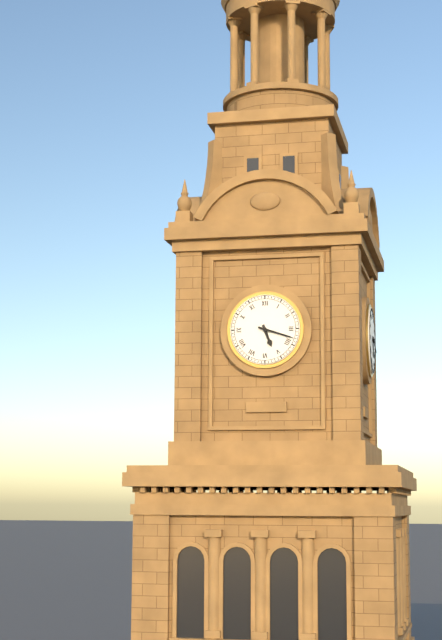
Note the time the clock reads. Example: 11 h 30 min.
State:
5 h 18 min
